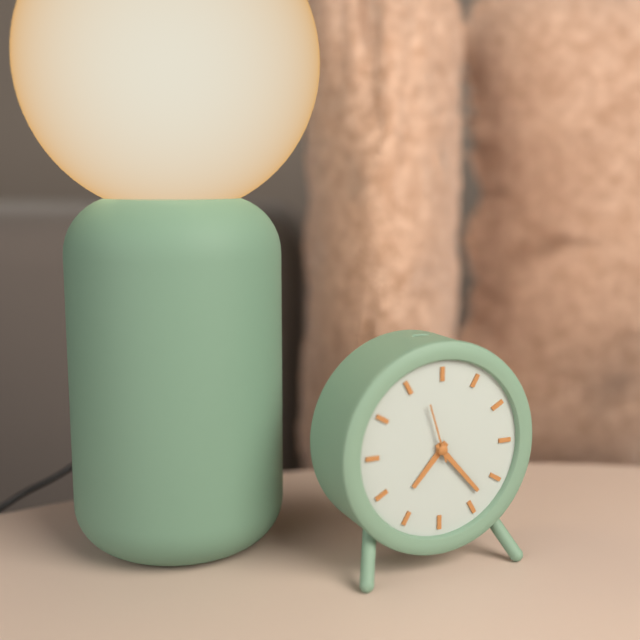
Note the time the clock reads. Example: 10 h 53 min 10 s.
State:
7 h 23 min 57 s
